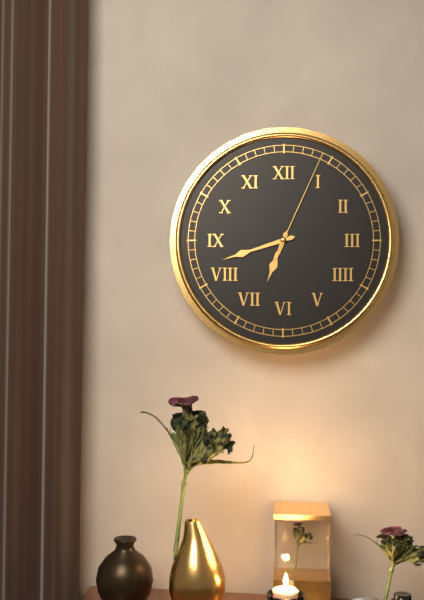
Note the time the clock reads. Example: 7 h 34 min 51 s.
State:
6 h 42 min 04 s
